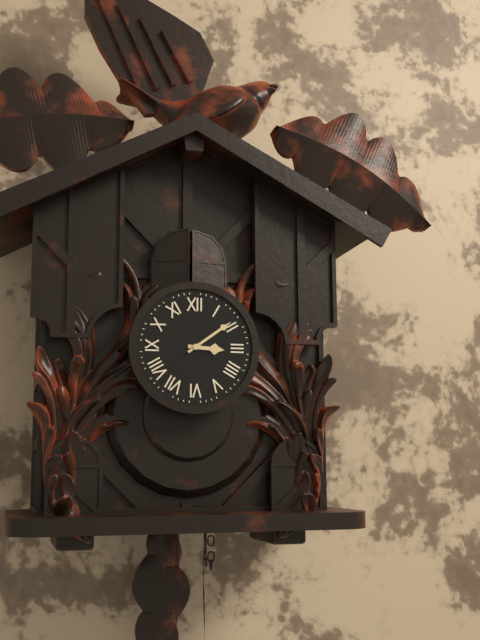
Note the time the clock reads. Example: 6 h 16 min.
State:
3 h 09 min
